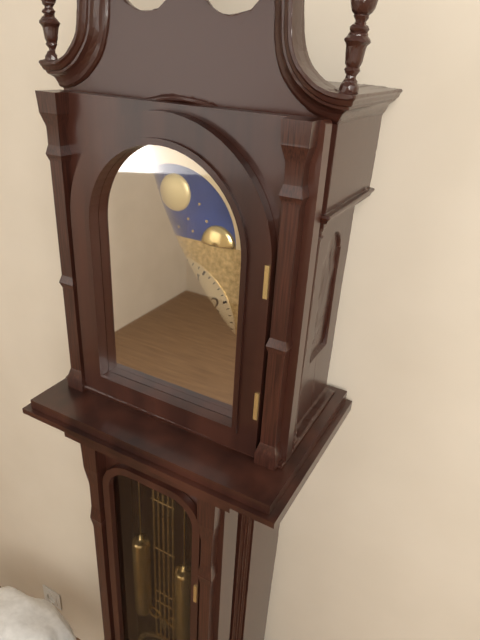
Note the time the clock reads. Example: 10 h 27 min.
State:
10 h 52 min
